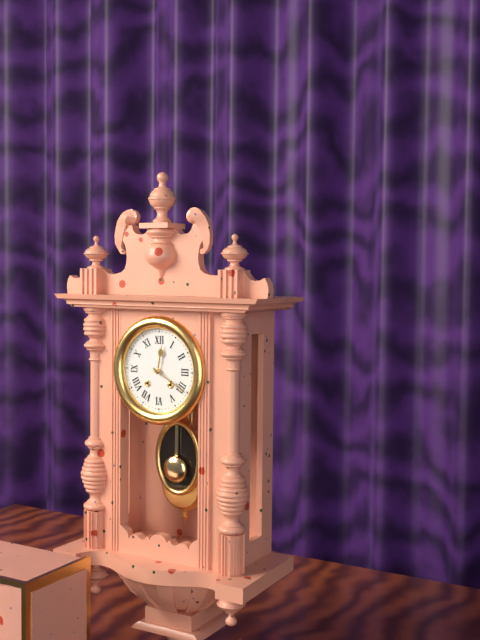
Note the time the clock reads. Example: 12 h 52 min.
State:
12 h 20 min
